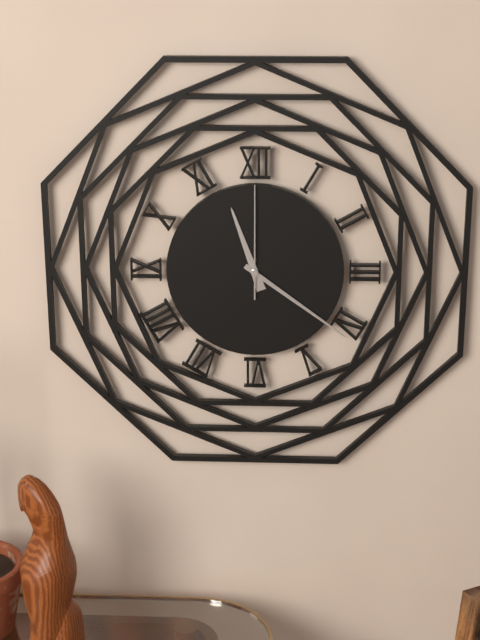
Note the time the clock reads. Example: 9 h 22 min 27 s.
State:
11 h 21 min 00 s
